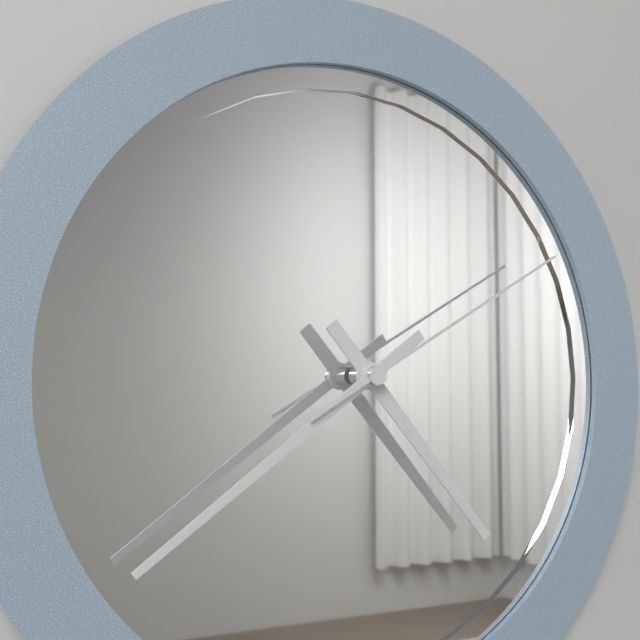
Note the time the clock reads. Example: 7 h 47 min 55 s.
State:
4 h 39 min 10 s
